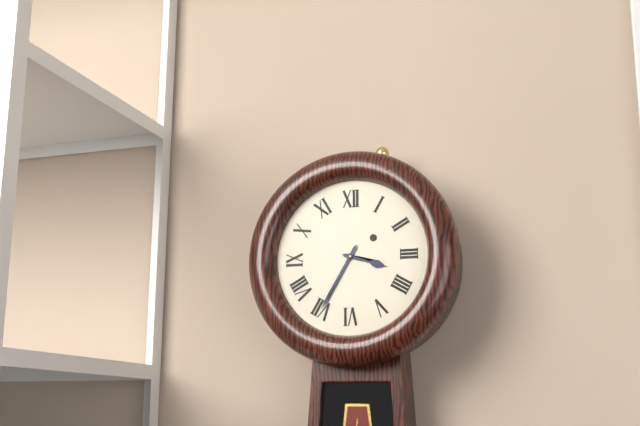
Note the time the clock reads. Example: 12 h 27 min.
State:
3 h 35 min
